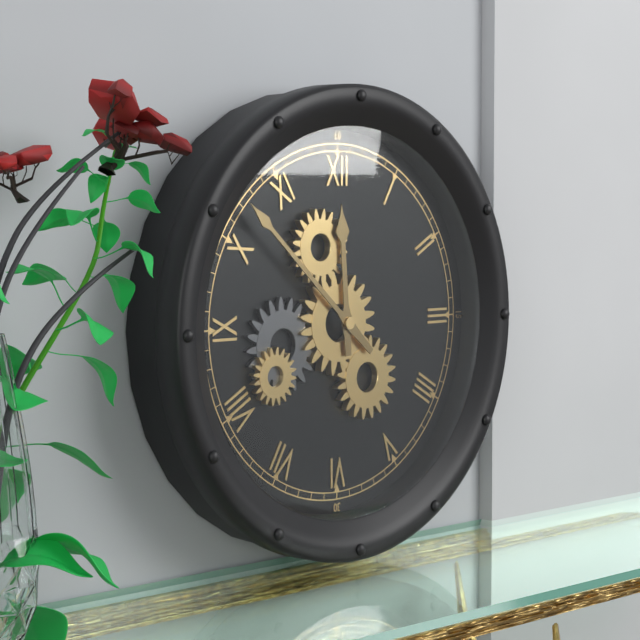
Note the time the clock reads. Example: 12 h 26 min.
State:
11 h 52 min
